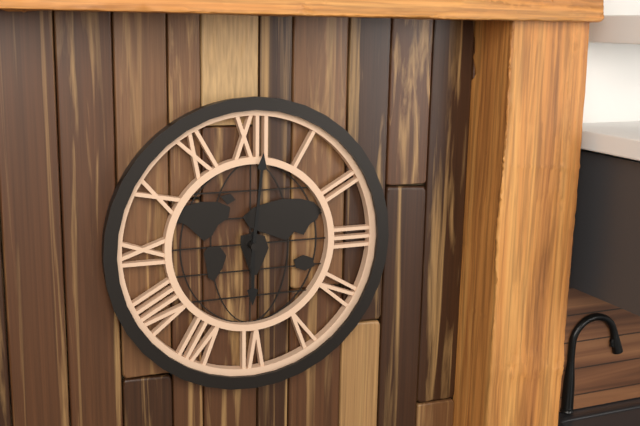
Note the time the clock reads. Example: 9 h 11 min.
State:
6 h 01 min
